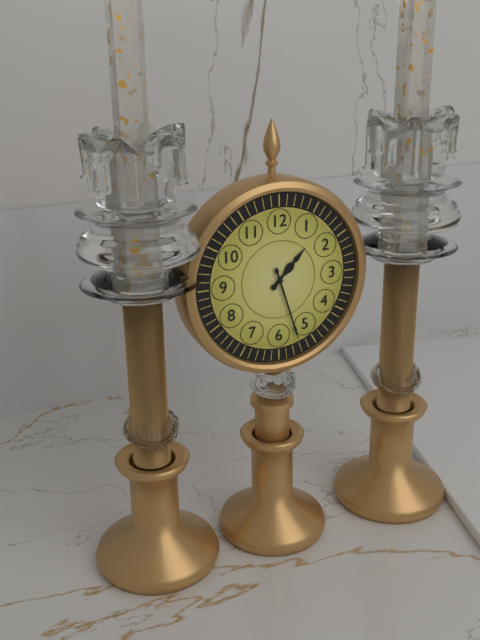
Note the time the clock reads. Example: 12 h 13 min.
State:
1 h 27 min
